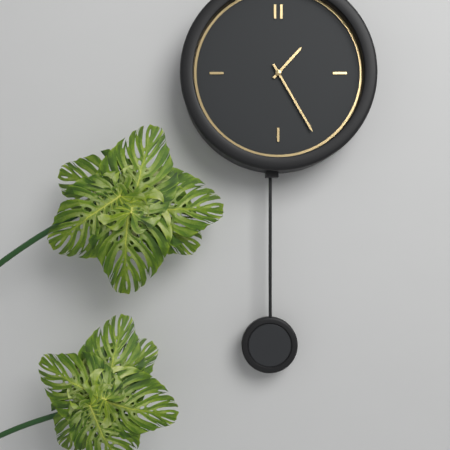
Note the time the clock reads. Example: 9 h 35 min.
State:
1 h 25 min
